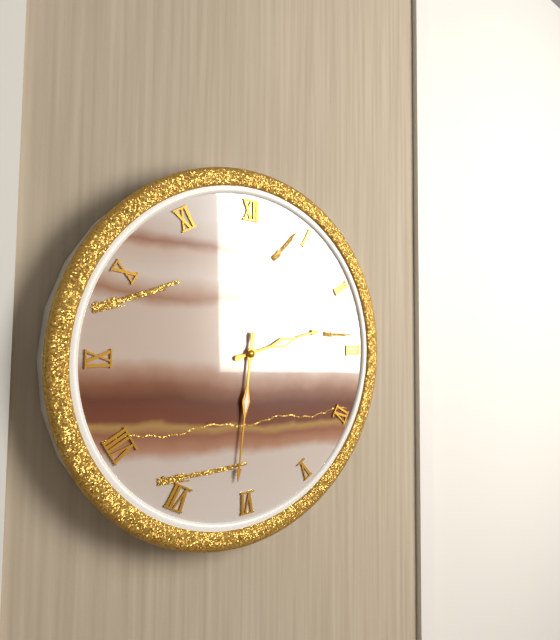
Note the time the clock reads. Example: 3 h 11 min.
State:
2 h 31 min
